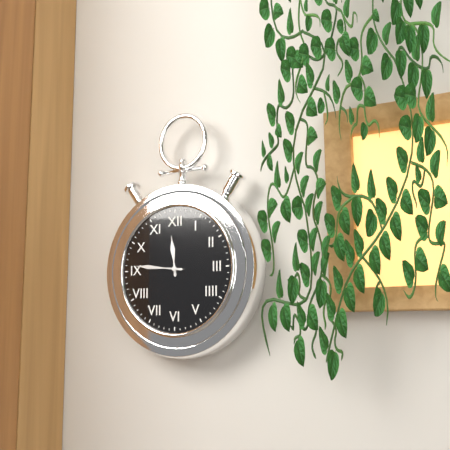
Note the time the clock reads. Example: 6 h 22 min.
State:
11 h 46 min
